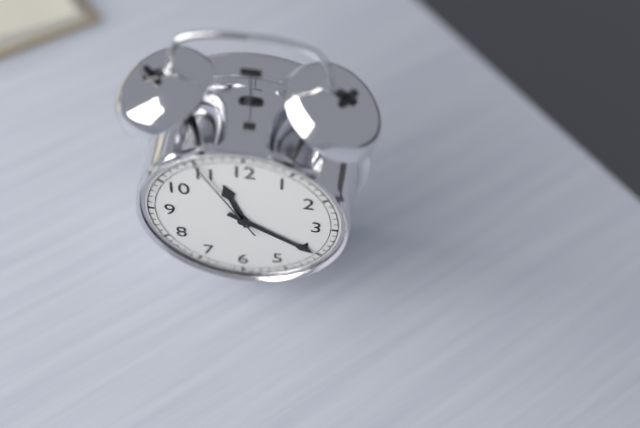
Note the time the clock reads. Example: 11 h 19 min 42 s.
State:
11 h 20 min 55 s
